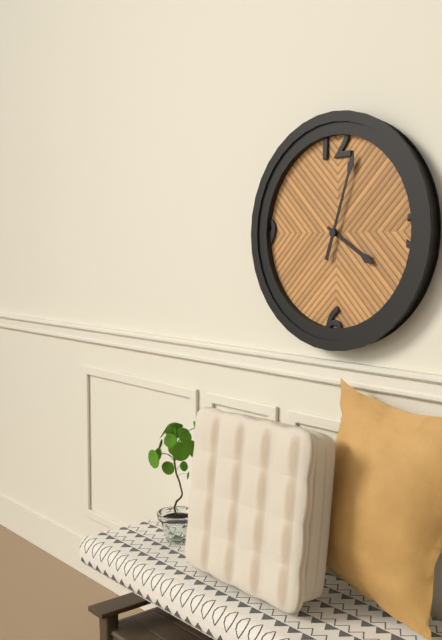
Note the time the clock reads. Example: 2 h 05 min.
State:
4 h 03 min
